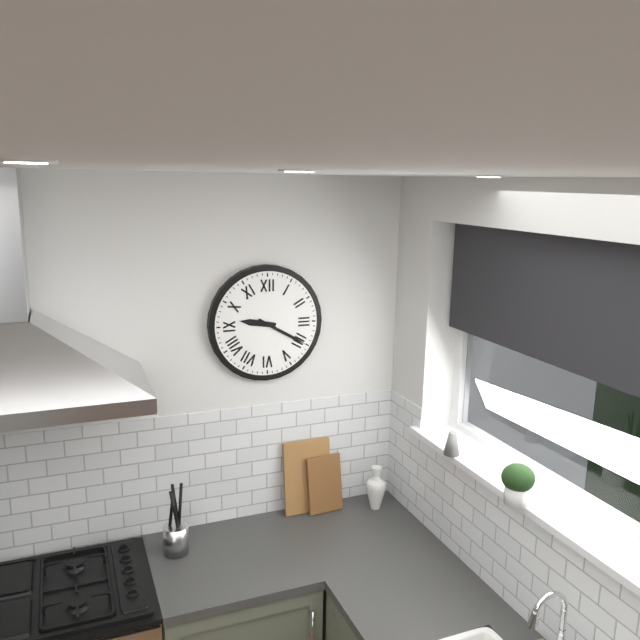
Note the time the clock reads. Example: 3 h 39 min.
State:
9 h 20 min
